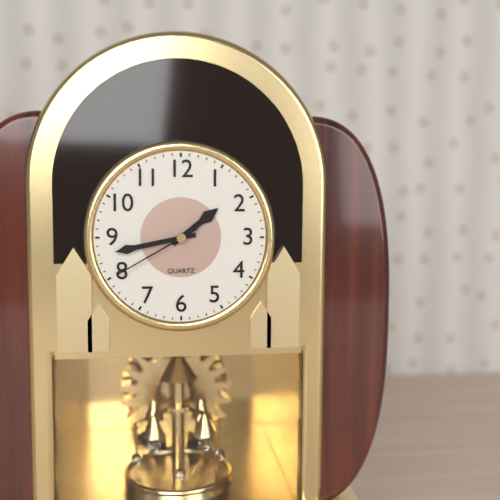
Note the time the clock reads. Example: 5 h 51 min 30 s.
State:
1 h 43 min 40 s
